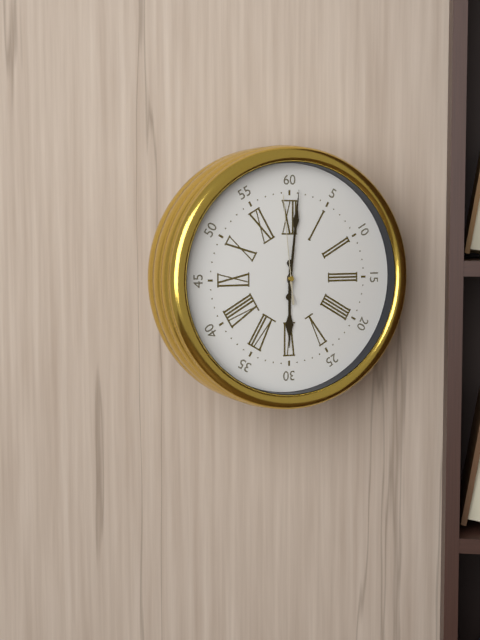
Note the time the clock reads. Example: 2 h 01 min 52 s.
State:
6 h 01 min 59 s
